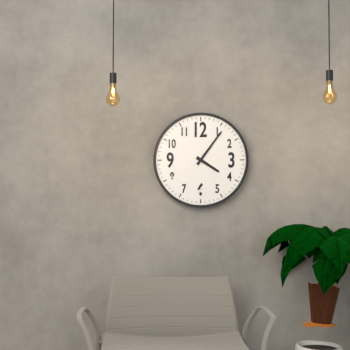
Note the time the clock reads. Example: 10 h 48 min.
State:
4 h 06 min
